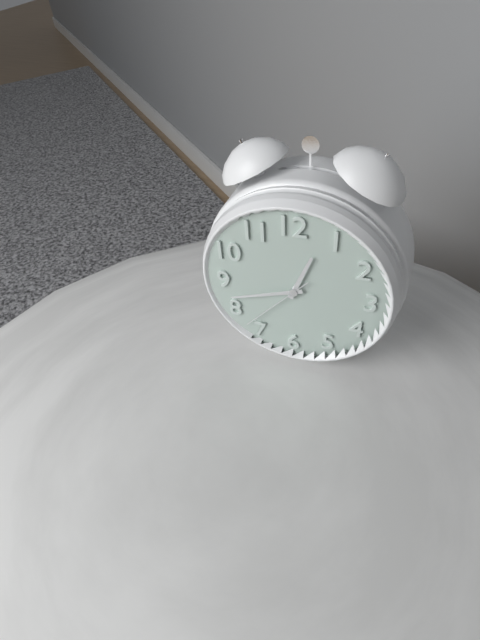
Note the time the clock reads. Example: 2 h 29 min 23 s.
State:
12 h 42 min 37 s
